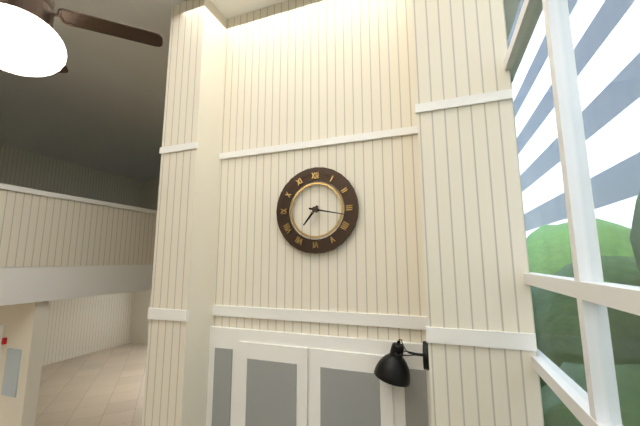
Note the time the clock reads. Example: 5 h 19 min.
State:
7 h 17 min
